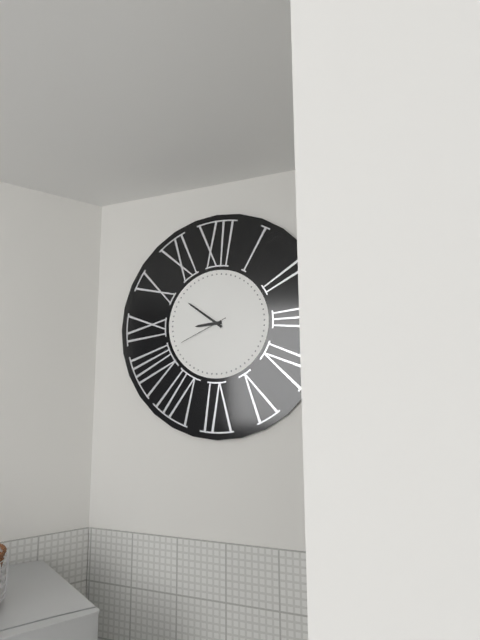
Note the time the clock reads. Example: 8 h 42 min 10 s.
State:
8 h 51 min 41 s
